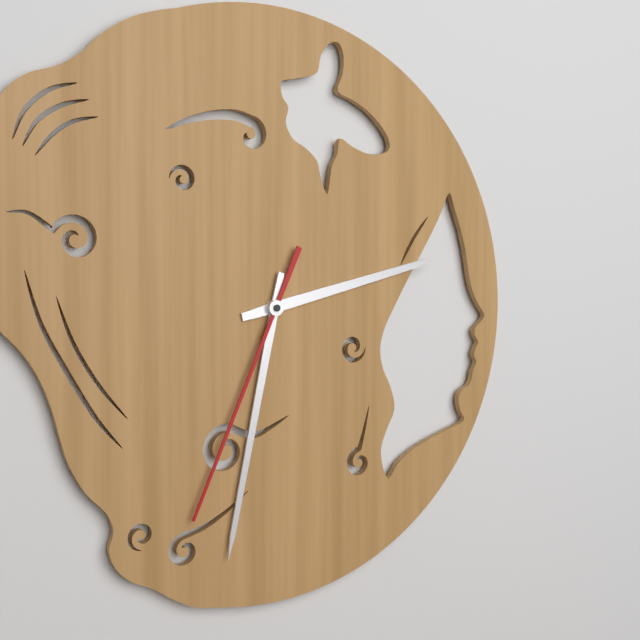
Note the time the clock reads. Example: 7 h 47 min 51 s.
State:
2 h 32 min 34 s
